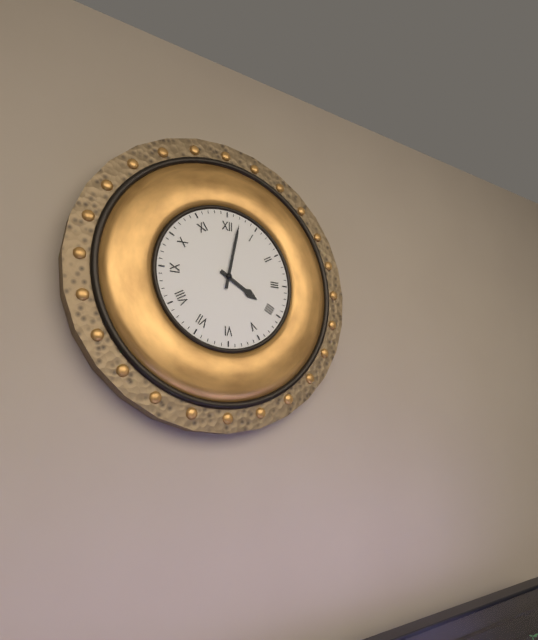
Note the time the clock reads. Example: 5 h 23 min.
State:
4 h 02 min
